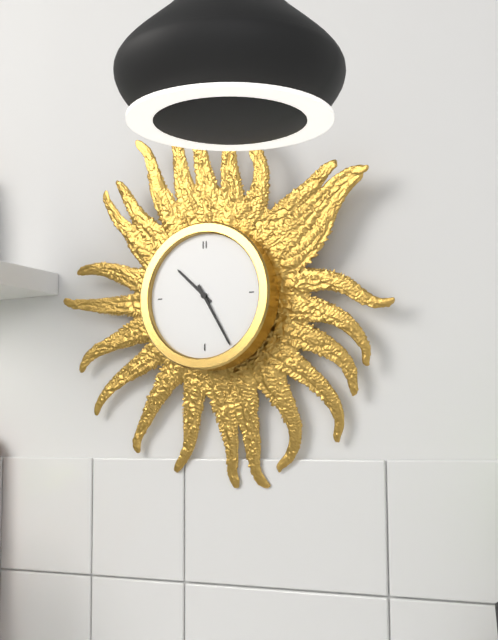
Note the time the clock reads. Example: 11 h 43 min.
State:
10 h 25 min
